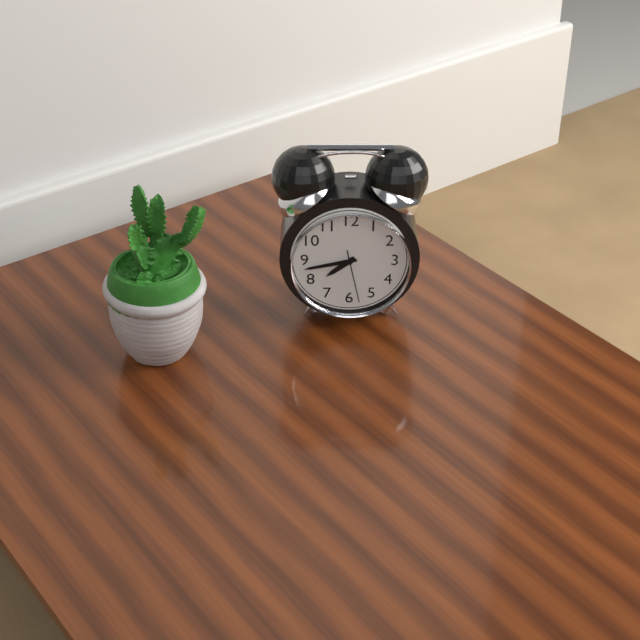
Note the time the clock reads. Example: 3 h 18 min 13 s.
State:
7 h 43 min 28 s
